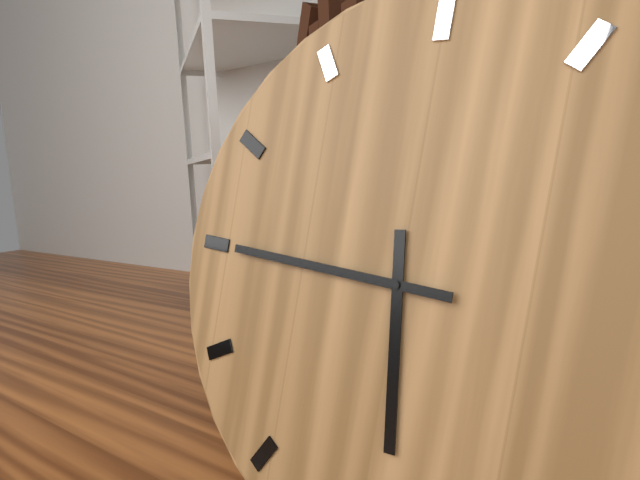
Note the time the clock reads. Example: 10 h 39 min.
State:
5 h 45 min
